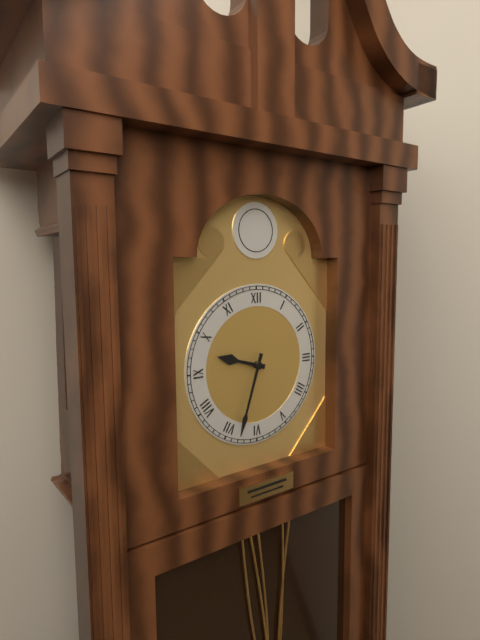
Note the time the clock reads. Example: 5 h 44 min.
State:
9 h 33 min
